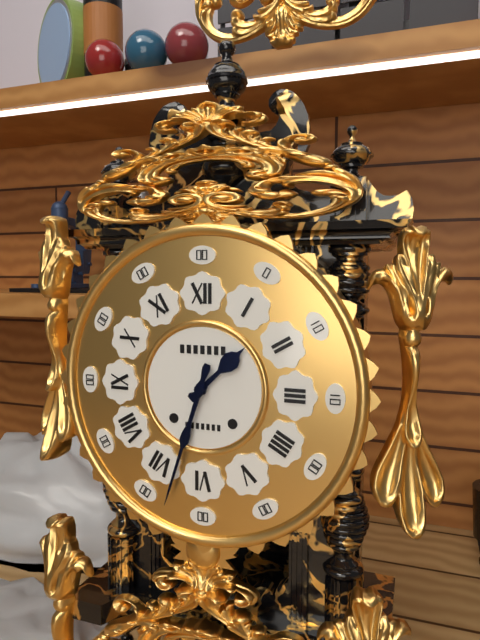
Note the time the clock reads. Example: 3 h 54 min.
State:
1 h 33 min
